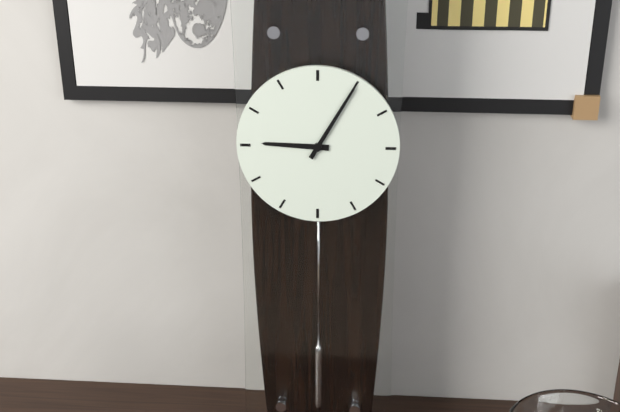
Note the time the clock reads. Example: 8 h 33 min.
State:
9 h 05 min
